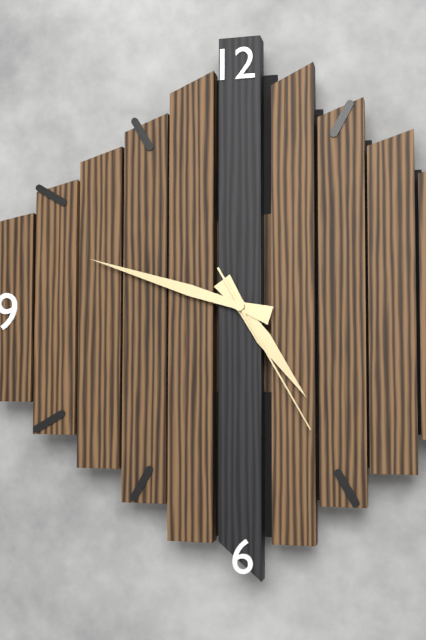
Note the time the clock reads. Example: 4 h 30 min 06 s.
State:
4 h 48 min 25 s
